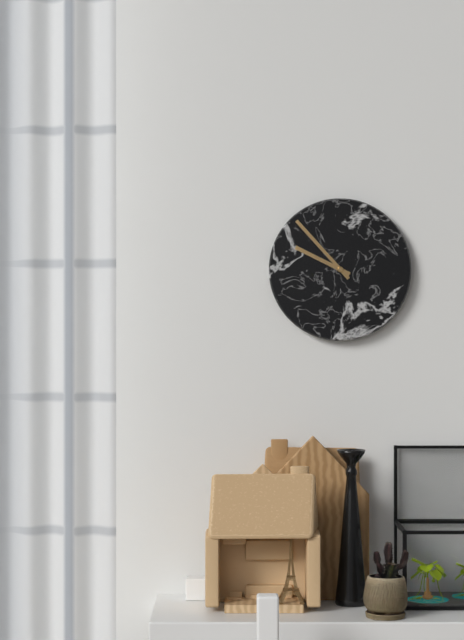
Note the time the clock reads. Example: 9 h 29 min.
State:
9 h 53 min
